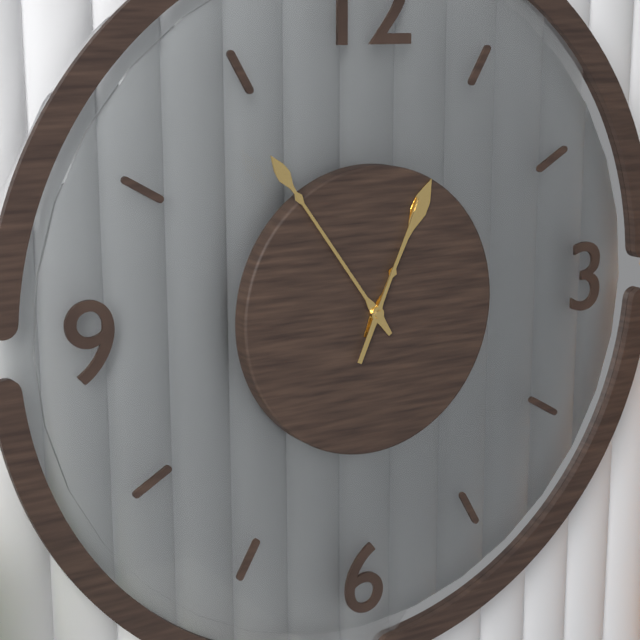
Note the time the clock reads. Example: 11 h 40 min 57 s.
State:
12 h 54 min 04 s
